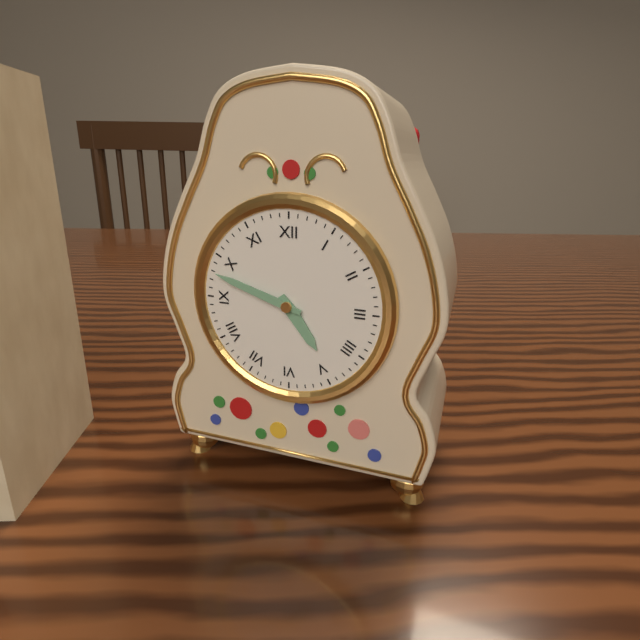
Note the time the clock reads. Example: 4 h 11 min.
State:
4 h 48 min
